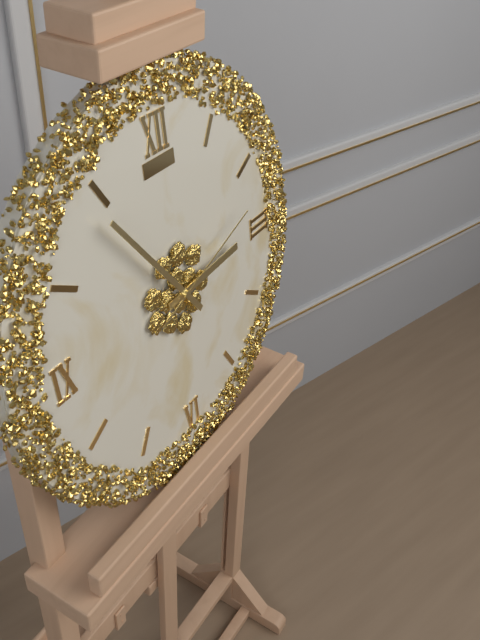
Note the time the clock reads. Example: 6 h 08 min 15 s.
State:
2 h 54 min 12 s
